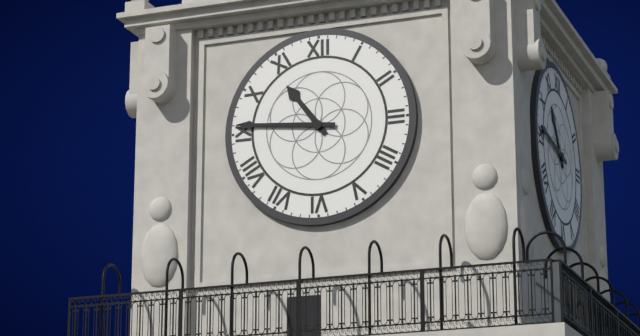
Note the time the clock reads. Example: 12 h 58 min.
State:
10 h 46 min
